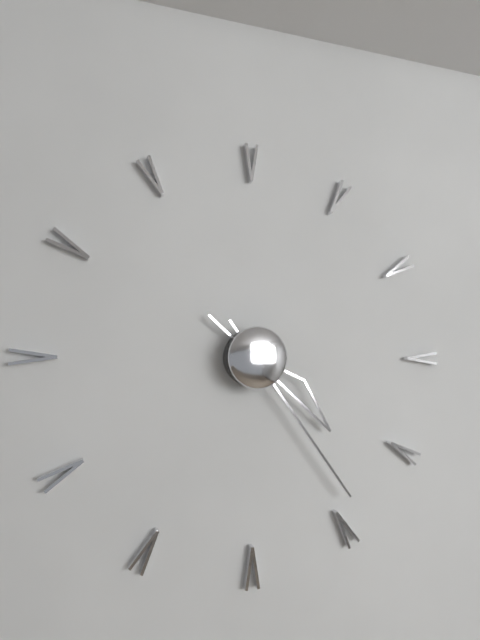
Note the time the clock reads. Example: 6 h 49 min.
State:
4 h 24 min
